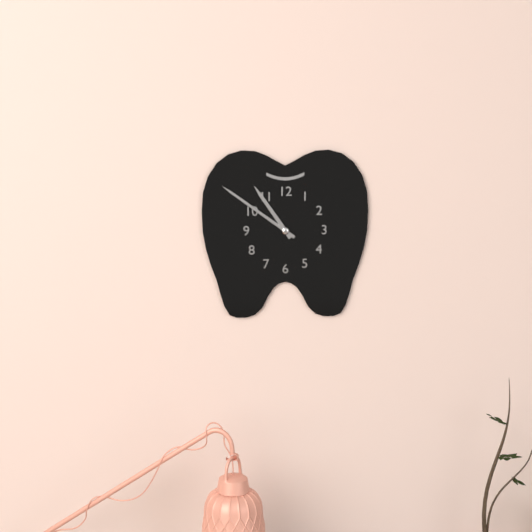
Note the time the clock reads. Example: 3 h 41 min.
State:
10 h 51 min
